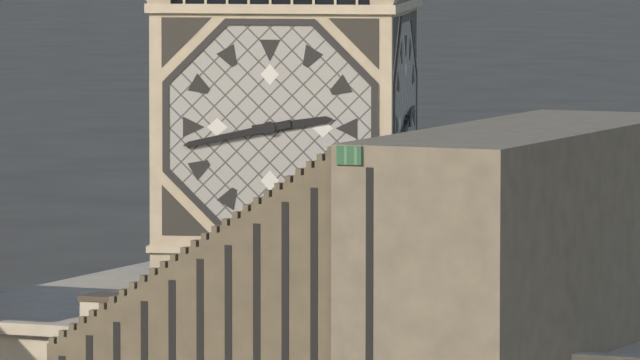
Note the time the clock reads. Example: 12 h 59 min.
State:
2 h 43 min
